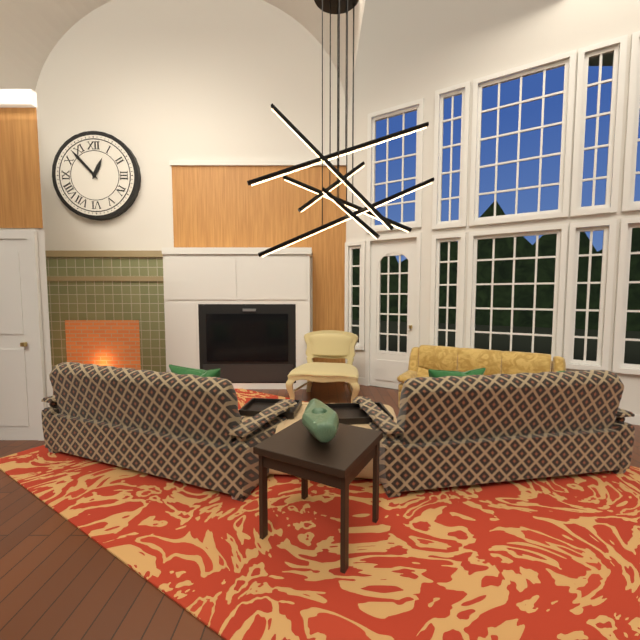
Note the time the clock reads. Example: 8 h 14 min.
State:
12 h 53 min
